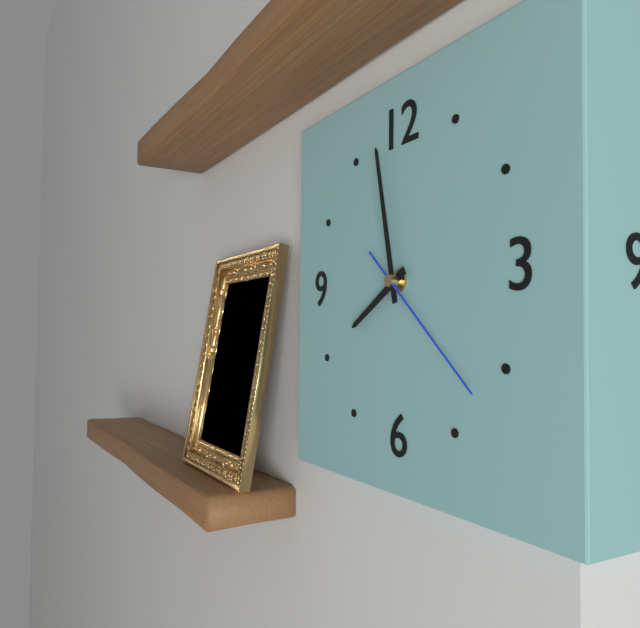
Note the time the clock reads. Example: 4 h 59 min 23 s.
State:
7 h 58 min 22 s
